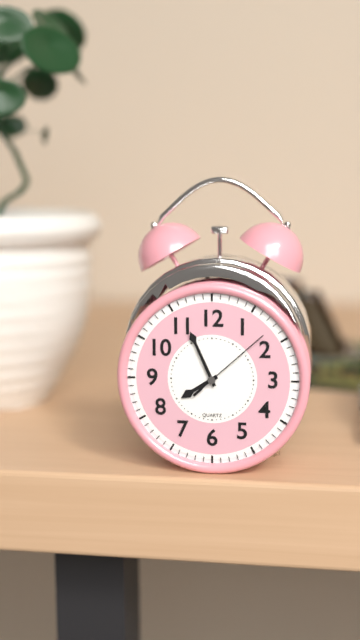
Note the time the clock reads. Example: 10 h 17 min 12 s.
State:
7 h 56 min 08 s
